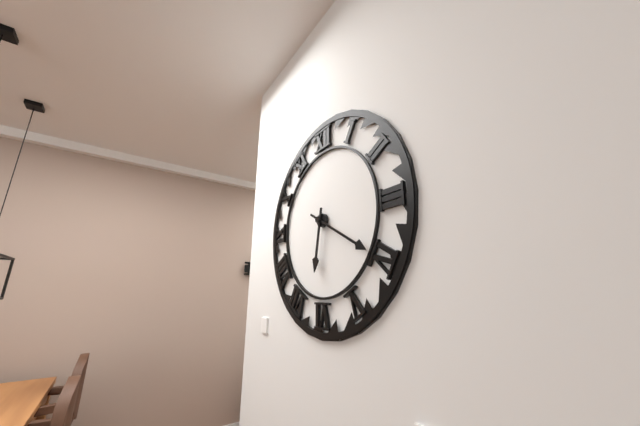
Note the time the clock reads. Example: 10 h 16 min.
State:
6 h 20 min
